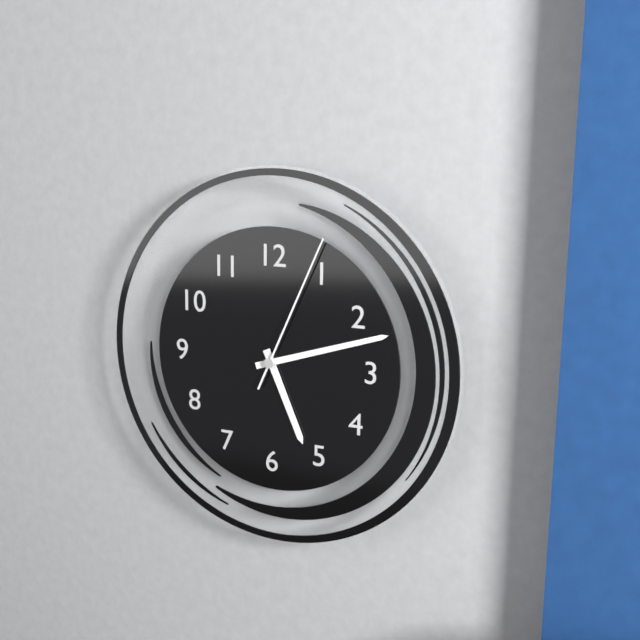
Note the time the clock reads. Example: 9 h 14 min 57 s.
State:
5 h 12 min 04 s
